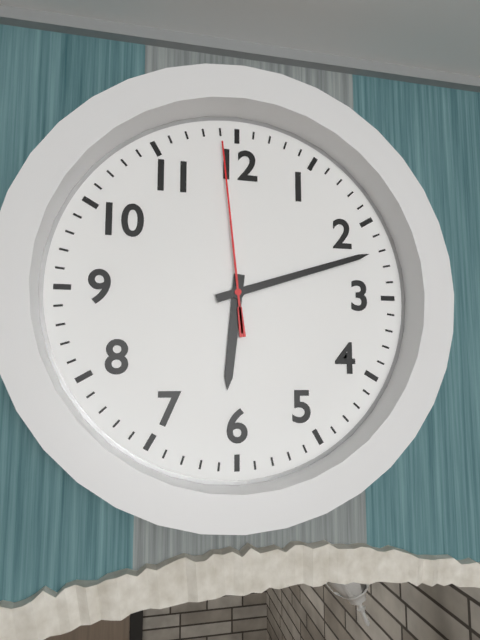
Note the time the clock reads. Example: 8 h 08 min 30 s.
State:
6 h 12 min 59 s
